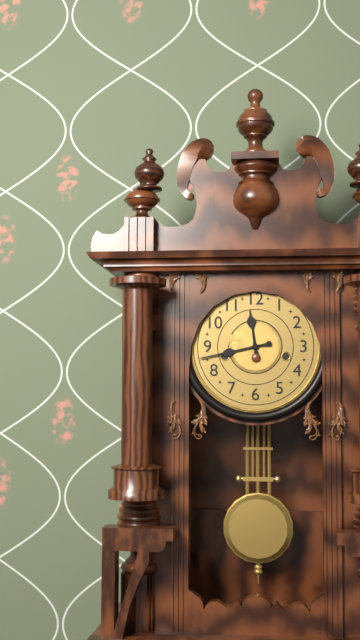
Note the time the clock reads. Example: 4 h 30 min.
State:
11 h 43 min
